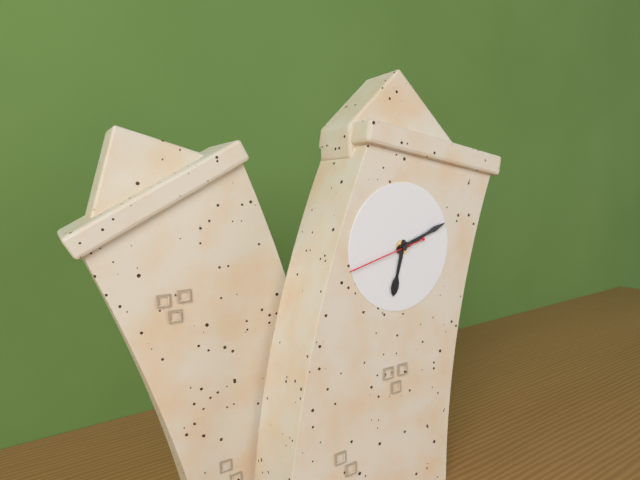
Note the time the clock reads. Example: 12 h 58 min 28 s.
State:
6 h 10 min 41 s
